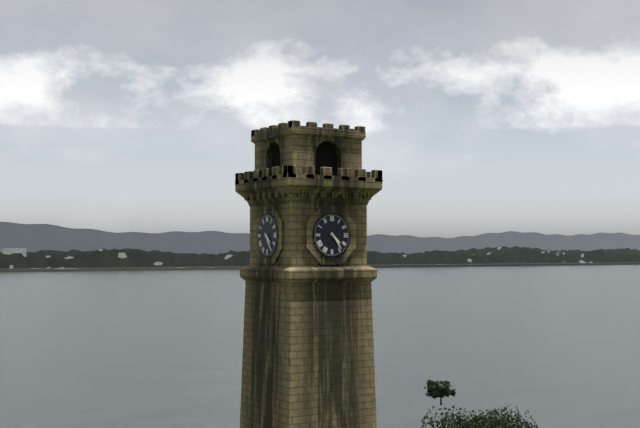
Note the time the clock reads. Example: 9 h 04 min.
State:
4 h 24 min
